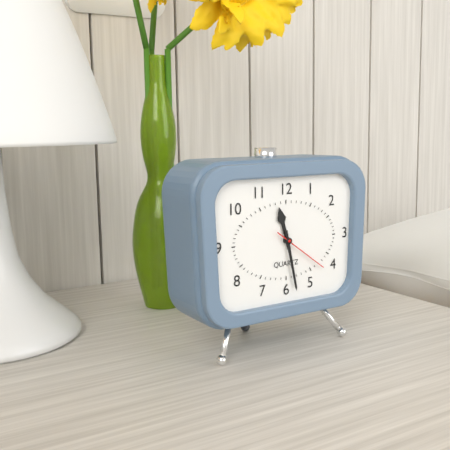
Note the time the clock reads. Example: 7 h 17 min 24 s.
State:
11 h 28 min 21 s
